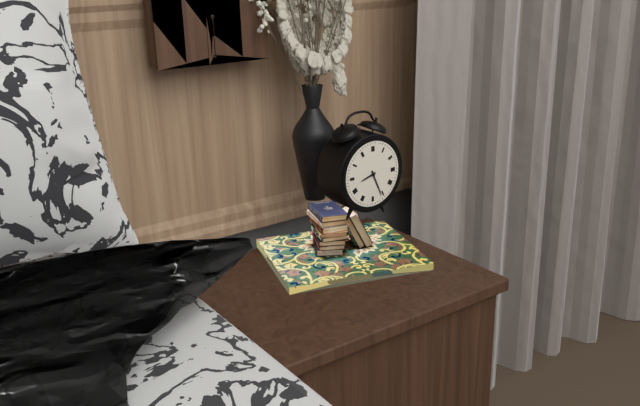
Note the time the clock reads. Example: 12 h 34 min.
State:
8 h 26 min
